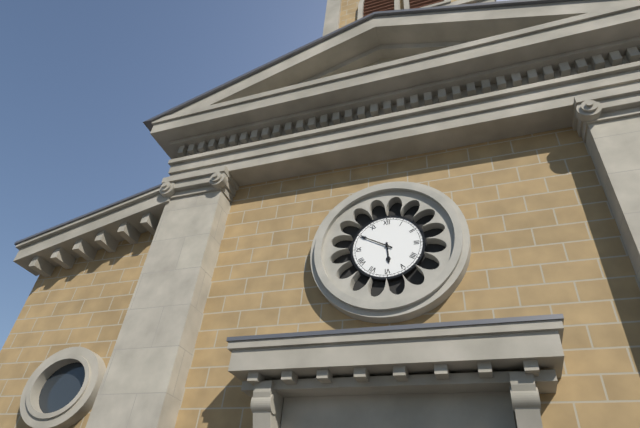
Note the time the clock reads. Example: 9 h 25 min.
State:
5 h 50 min
